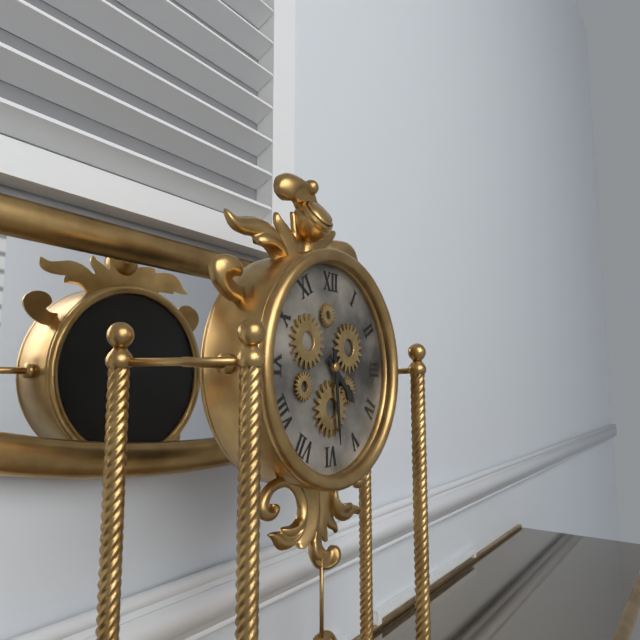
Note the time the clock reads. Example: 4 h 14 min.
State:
4 h 29 min
